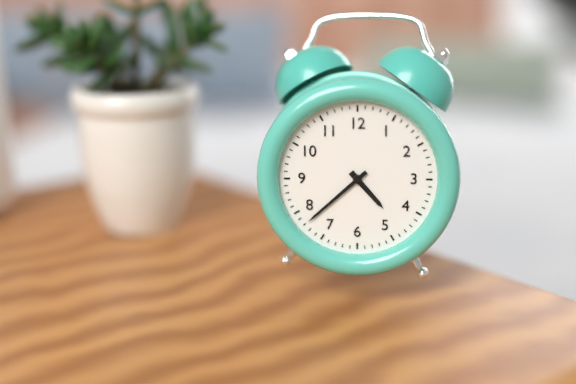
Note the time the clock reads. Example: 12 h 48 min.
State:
4 h 38 min
